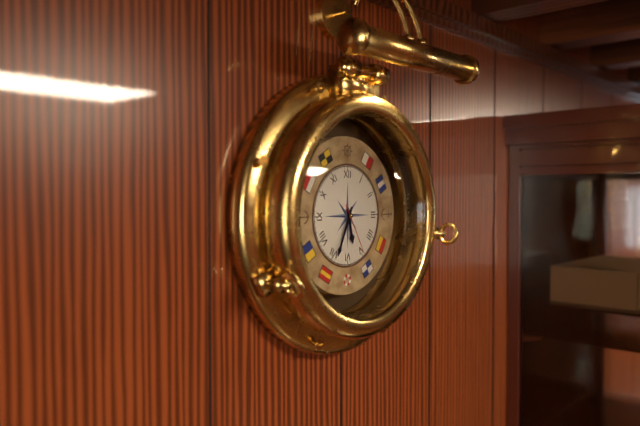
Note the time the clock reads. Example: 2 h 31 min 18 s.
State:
5 h 34 min 25 s
